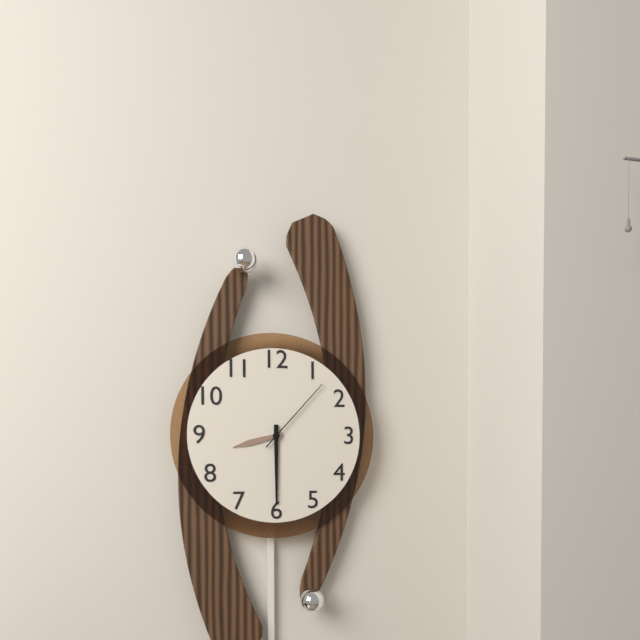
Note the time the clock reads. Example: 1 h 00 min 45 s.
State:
8 h 30 min 07 s
